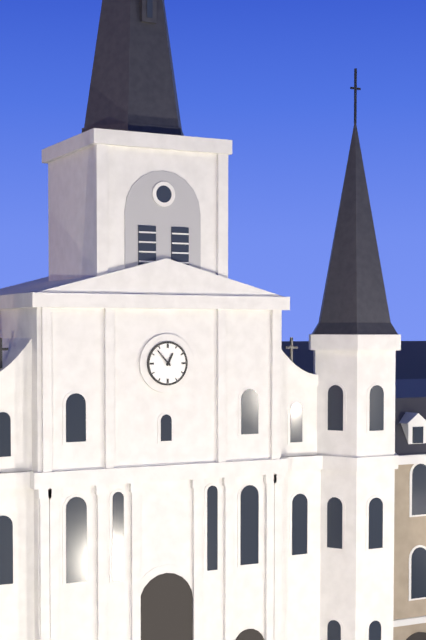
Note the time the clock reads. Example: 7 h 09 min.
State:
12 h 53 min
